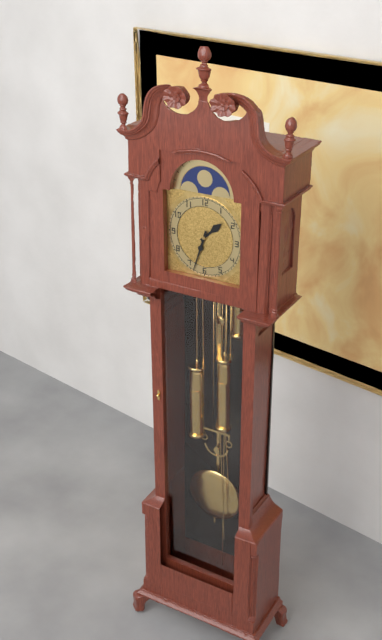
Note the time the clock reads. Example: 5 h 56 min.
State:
1 h 33 min
